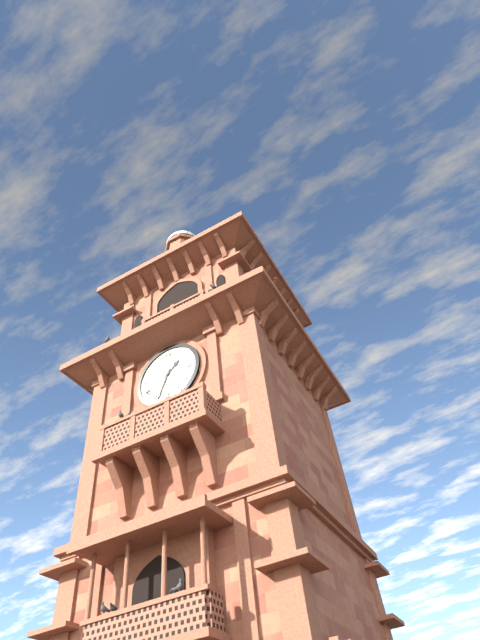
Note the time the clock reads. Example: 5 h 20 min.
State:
1 h 34 min
